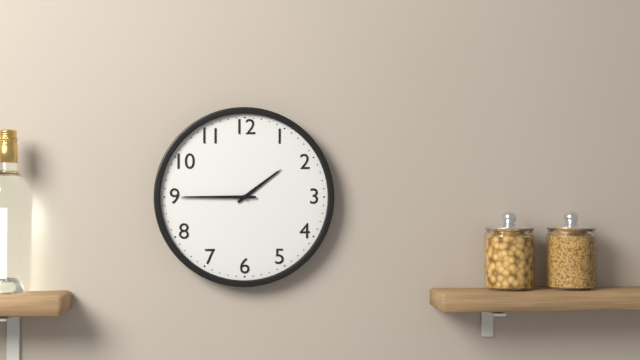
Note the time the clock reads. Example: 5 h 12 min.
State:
1 h 45 min
